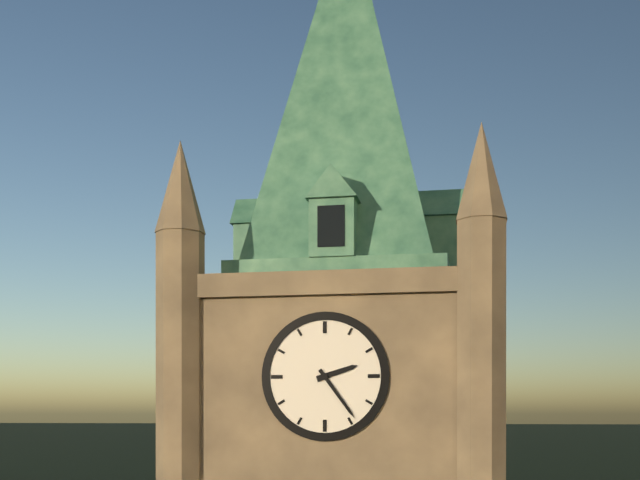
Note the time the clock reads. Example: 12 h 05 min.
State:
2 h 24 min
